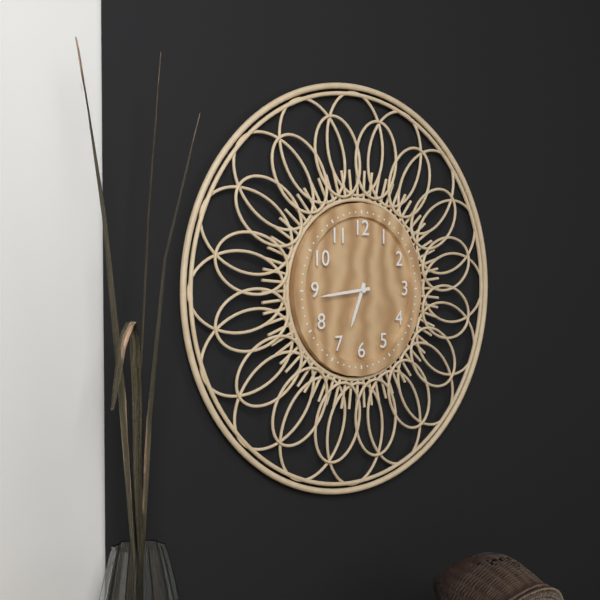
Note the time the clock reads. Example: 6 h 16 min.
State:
6 h 44 min
